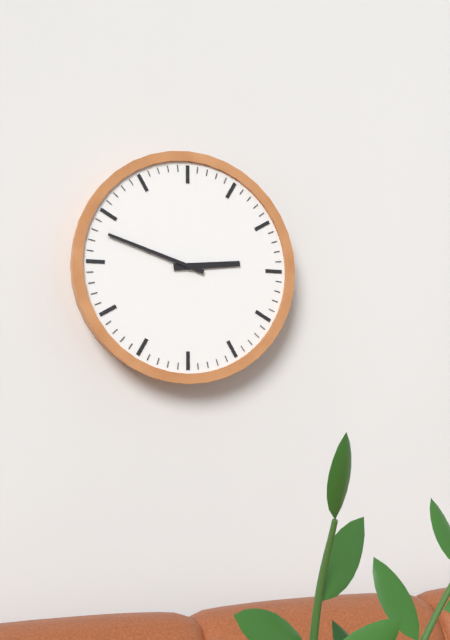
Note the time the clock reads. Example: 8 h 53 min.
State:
2 h 48 min
